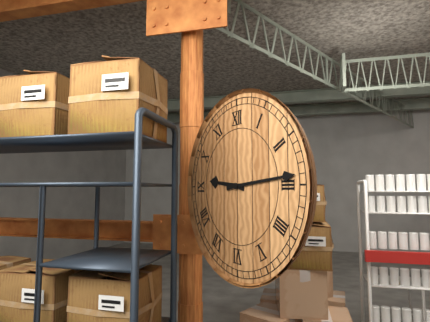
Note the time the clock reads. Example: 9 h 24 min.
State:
9 h 14 min
